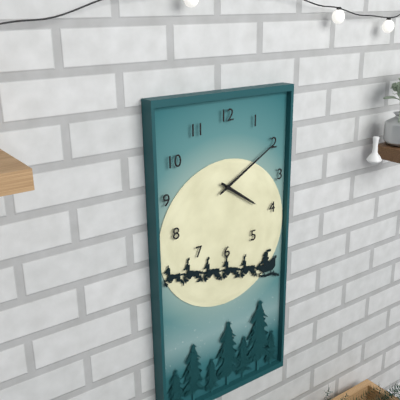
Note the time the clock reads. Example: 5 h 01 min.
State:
4 h 10 min
